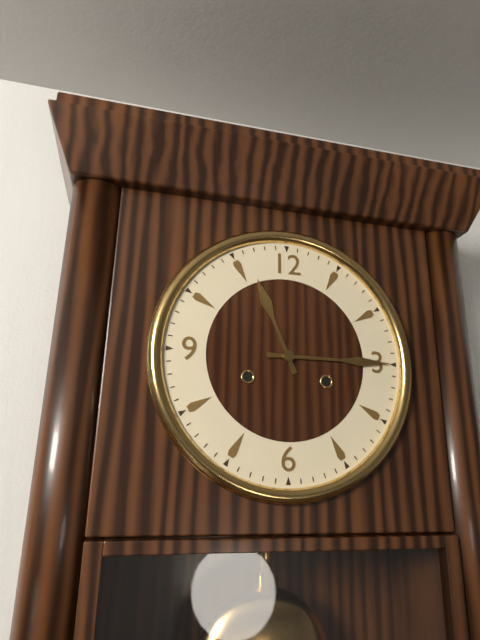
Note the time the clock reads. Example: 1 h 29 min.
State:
11 h 15 min
